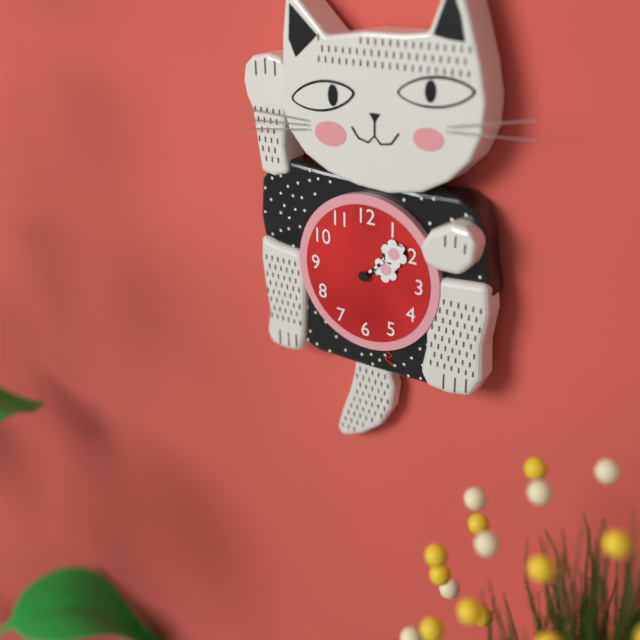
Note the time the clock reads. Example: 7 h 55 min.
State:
2 h 08 min
